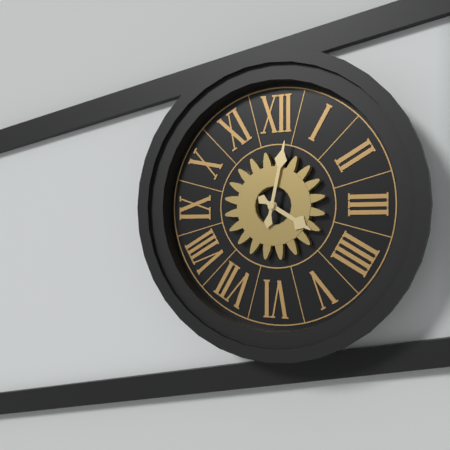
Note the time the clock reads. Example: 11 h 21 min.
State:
4 h 02 min
